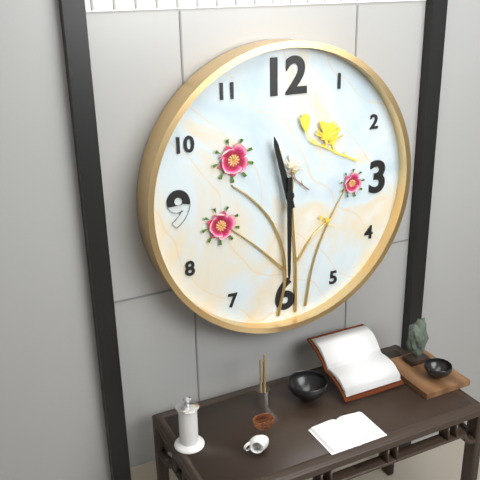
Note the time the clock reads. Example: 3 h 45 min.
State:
11 h 30 min
